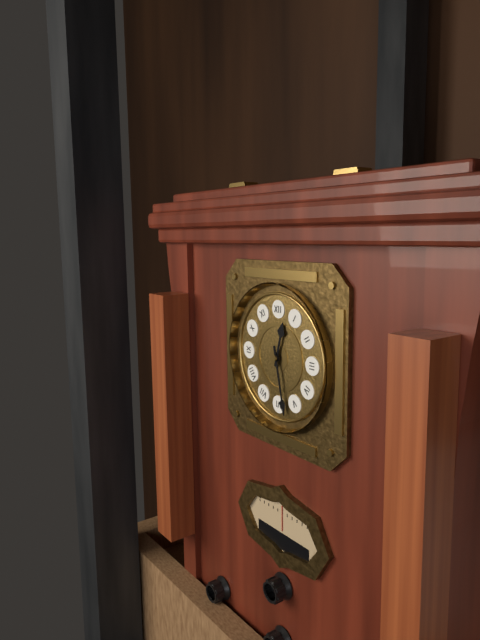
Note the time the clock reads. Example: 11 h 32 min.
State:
12 h 28 min
